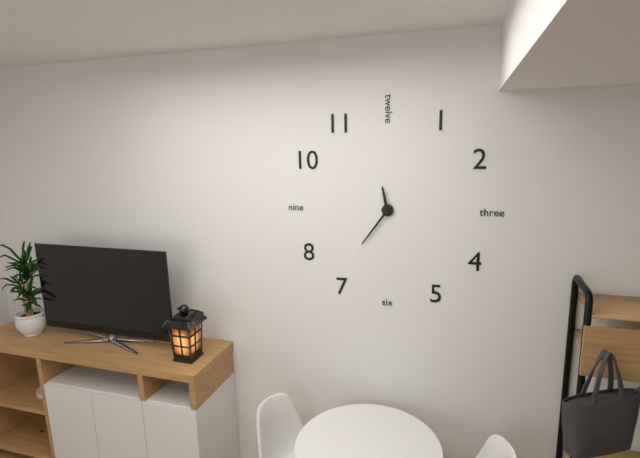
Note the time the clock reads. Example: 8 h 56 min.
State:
11 h 36 min
